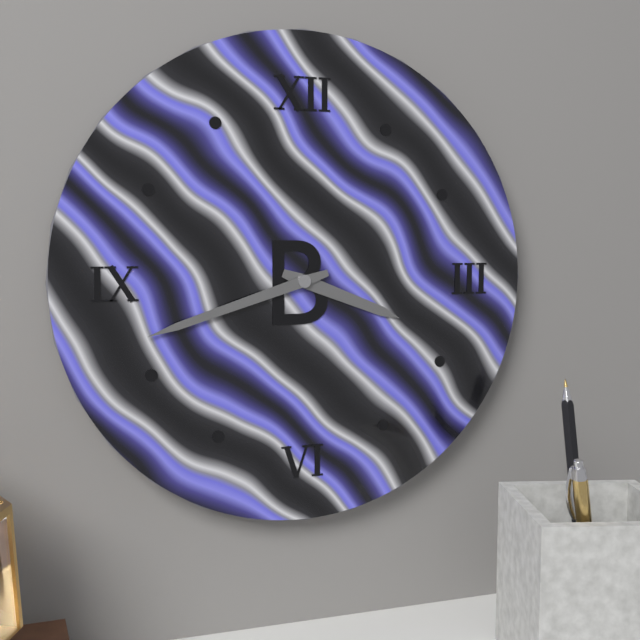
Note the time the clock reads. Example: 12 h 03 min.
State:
3 h 42 min
